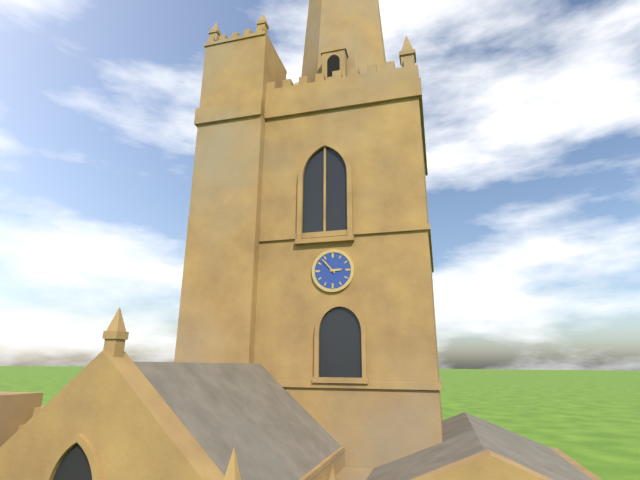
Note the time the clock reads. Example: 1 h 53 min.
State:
2 h 53 min
